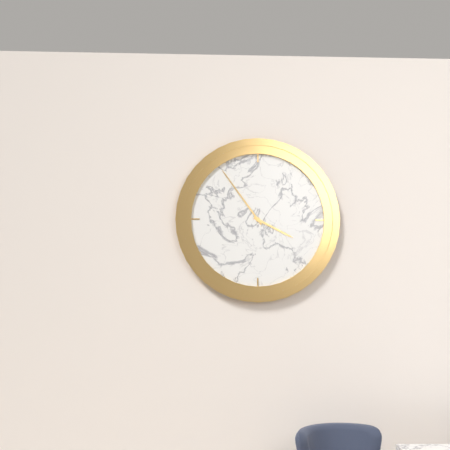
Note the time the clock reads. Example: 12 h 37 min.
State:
3 h 54 min
